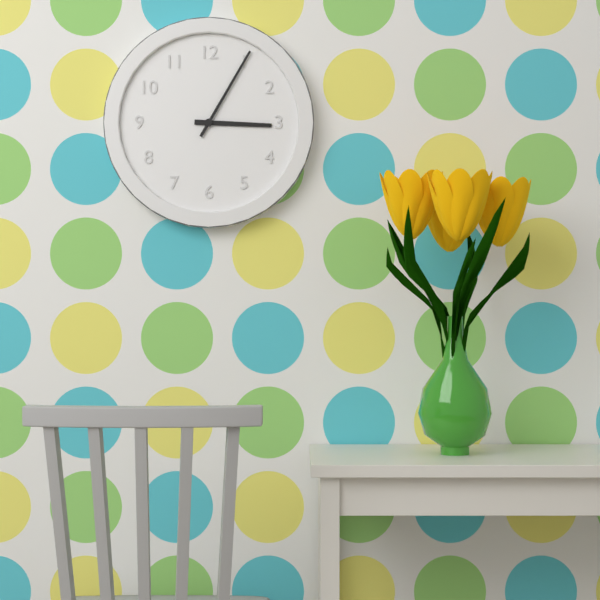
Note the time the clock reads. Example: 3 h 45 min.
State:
3 h 05 min
